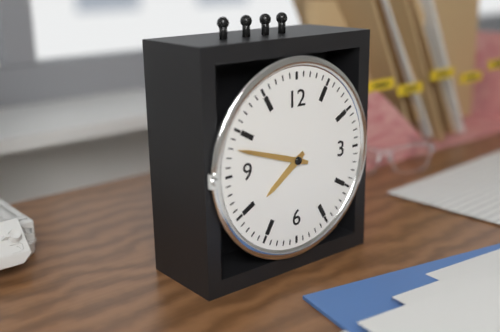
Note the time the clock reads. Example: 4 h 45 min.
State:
7 h 48 min
